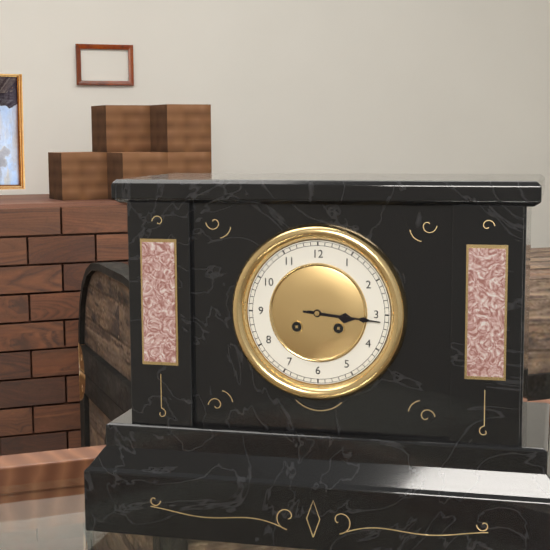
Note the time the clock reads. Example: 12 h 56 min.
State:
3 h 16 min
